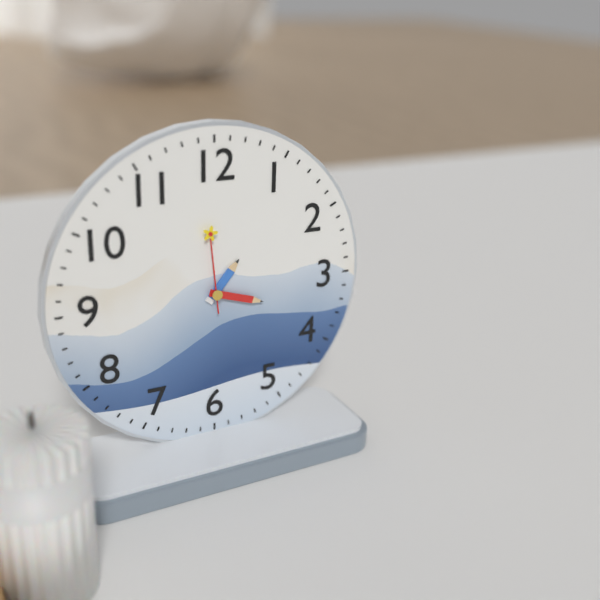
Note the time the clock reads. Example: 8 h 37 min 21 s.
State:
1 h 18 min 59 s
